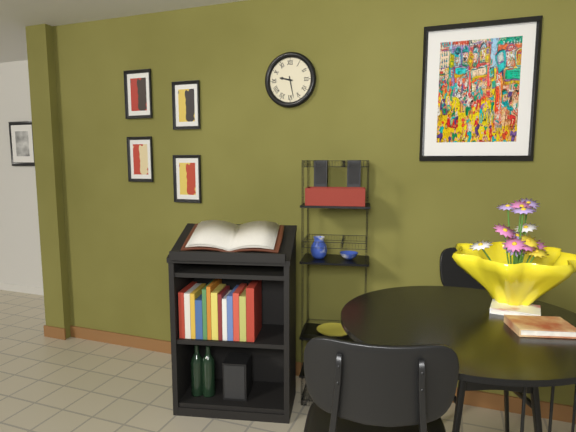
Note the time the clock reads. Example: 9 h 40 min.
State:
9 h 28 min
